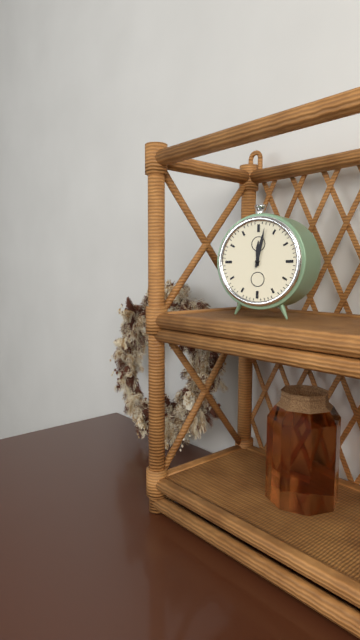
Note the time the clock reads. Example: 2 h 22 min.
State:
12 h 02 min
